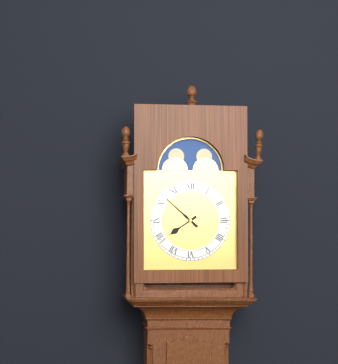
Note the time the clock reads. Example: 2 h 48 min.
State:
7 h 52 min
